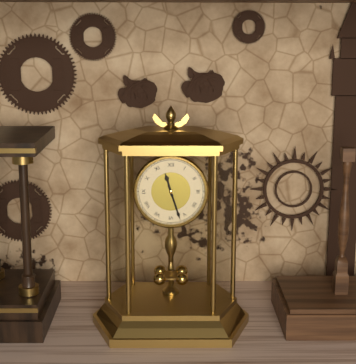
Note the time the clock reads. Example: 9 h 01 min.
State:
11 h 27 min
